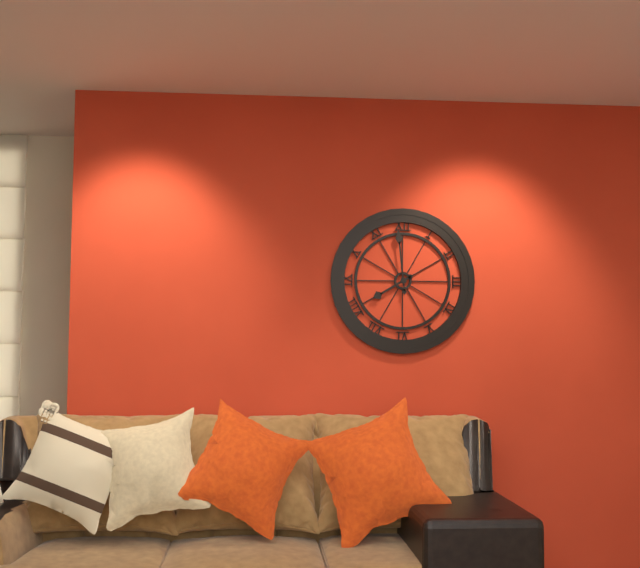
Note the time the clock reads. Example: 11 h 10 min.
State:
7 h 59 min
